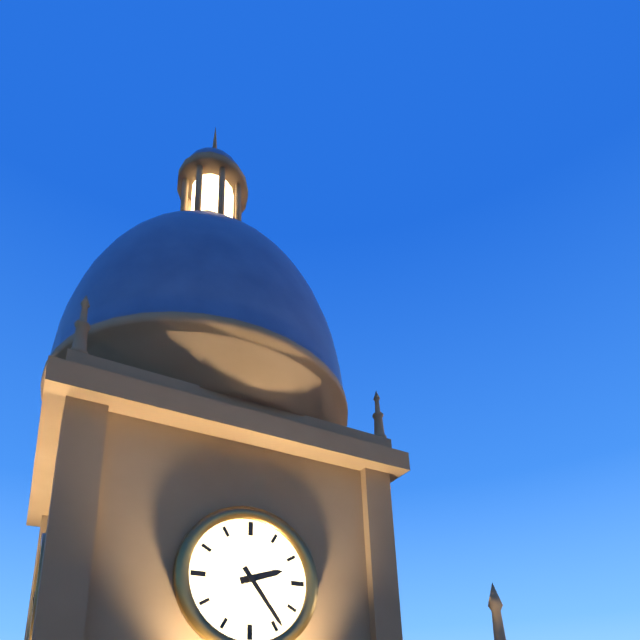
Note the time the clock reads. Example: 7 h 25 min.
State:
2 h 24 min
